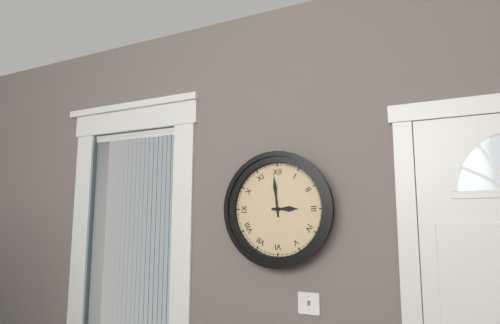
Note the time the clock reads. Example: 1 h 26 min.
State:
2 h 59 min
